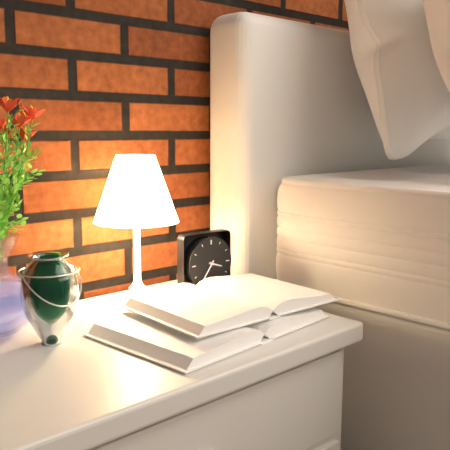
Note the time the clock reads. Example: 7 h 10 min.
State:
3 h 36 min
